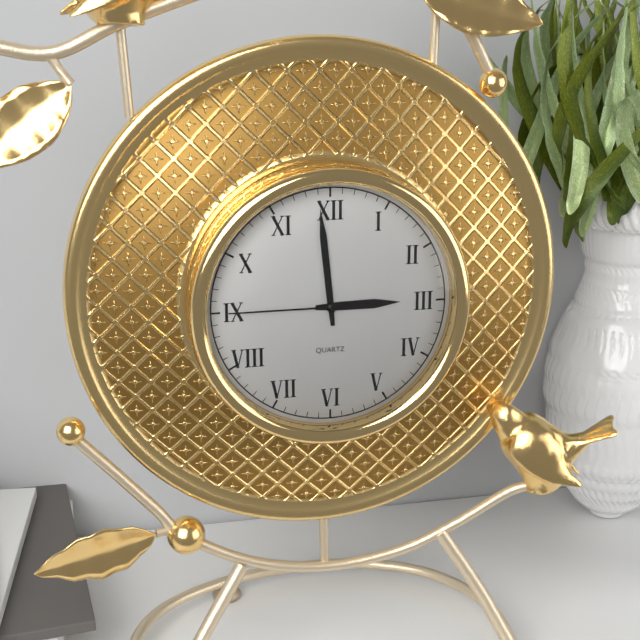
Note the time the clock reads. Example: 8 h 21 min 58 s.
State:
2 h 59 min 45 s
